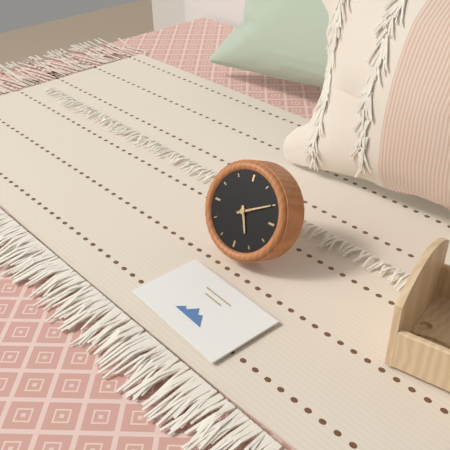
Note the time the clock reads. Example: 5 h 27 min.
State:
5 h 10 min
